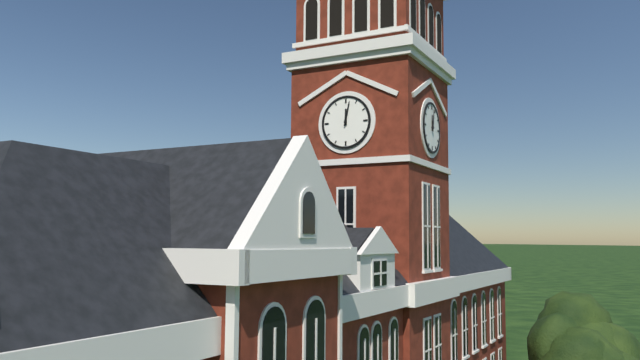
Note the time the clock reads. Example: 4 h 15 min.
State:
12 h 02 min
